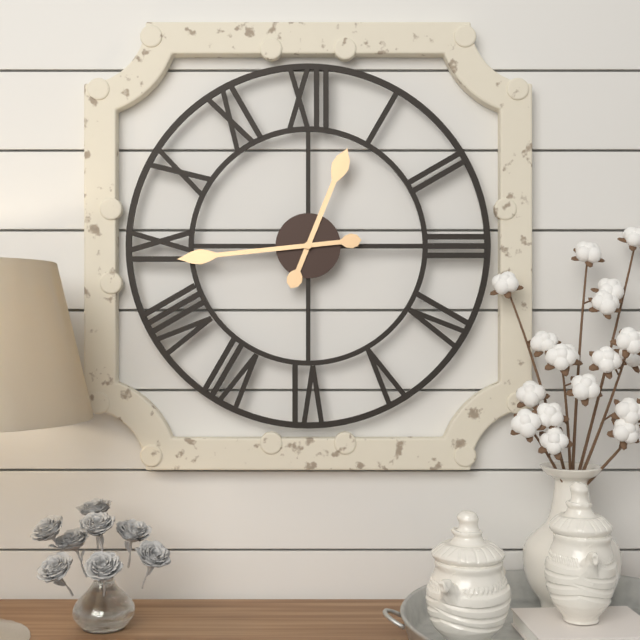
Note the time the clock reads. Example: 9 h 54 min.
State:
12 h 44 min
